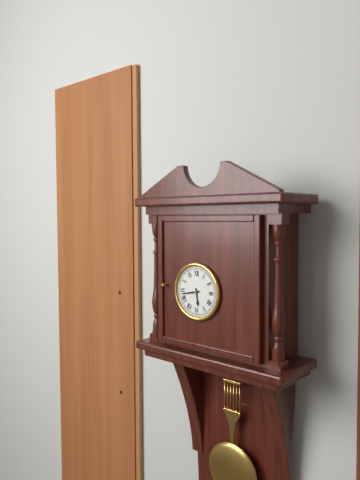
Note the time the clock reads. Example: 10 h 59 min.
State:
5 h 43 min
